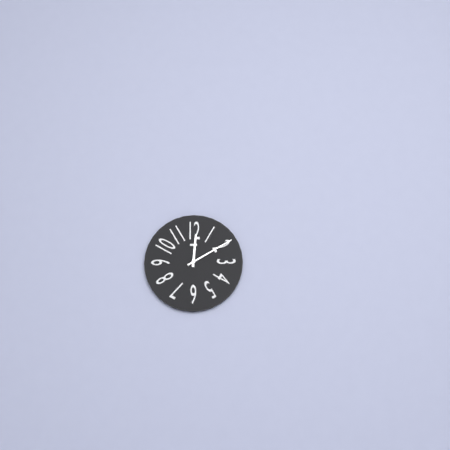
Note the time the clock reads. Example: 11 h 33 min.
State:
12 h 10 min
